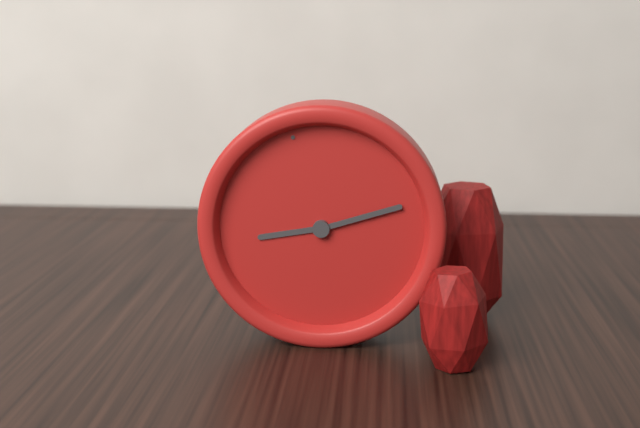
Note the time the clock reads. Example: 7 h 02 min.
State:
9 h 15 min
